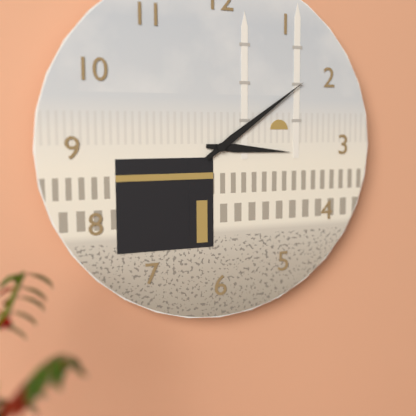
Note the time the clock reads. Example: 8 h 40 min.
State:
3 h 09 min
